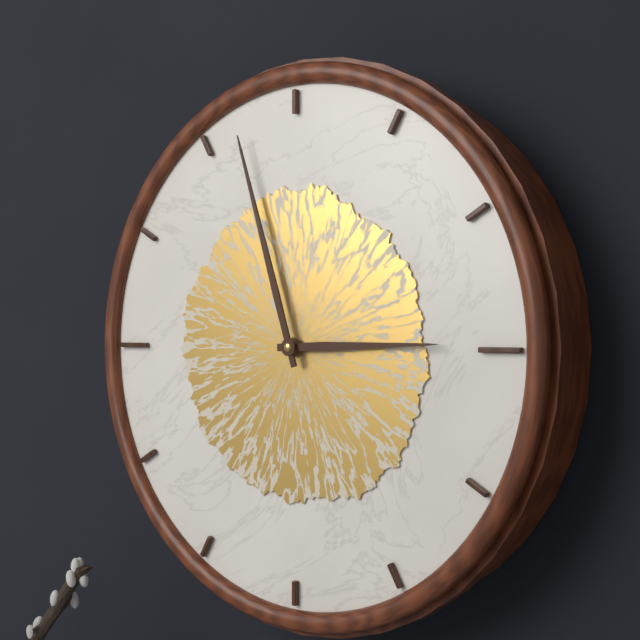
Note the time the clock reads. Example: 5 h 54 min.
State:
2 h 57 min
